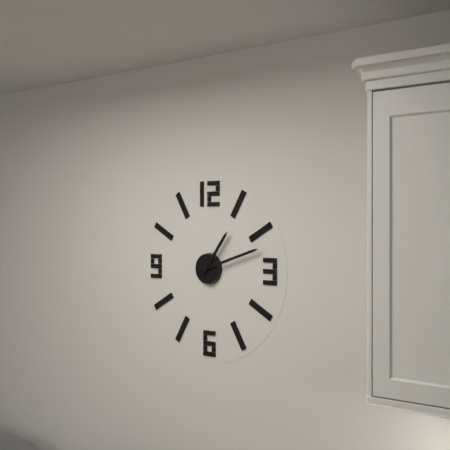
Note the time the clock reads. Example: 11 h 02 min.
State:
1 h 12 min
